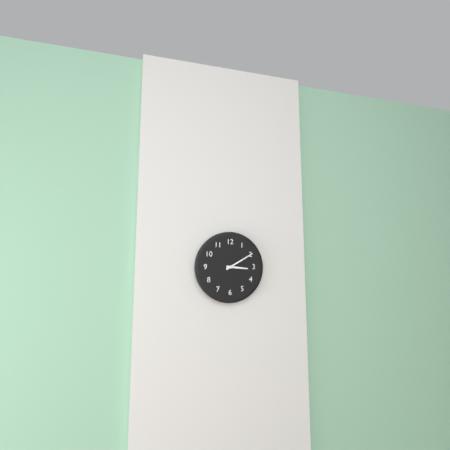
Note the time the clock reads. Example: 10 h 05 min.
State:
3 h 10 min
